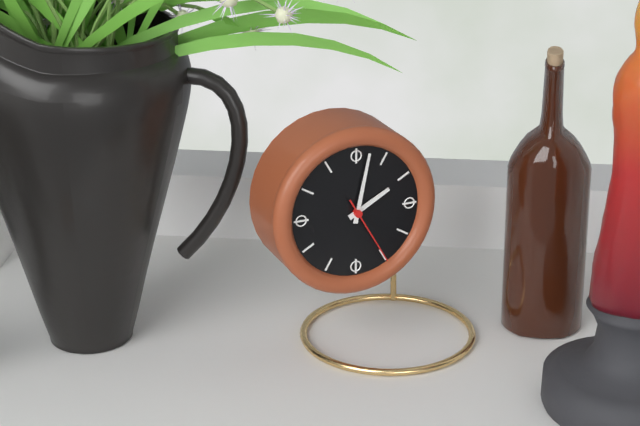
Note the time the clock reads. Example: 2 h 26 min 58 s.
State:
2 h 02 min 25 s
